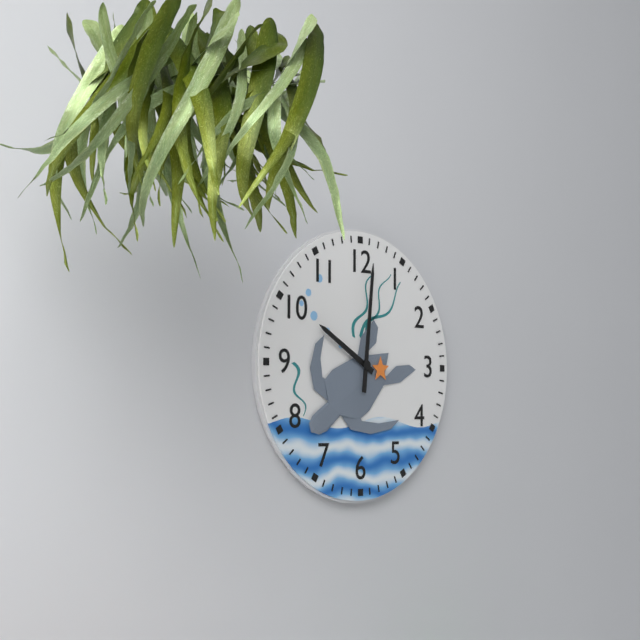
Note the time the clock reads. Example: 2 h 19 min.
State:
10 h 01 min
